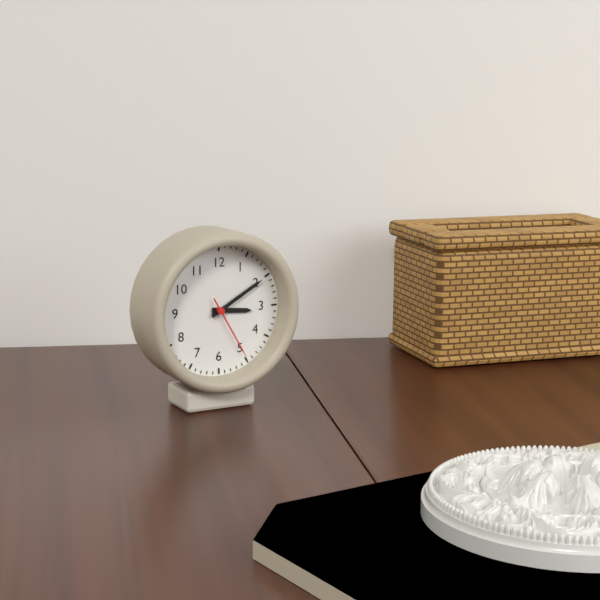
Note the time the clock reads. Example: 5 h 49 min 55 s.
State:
3 h 10 min 25 s
